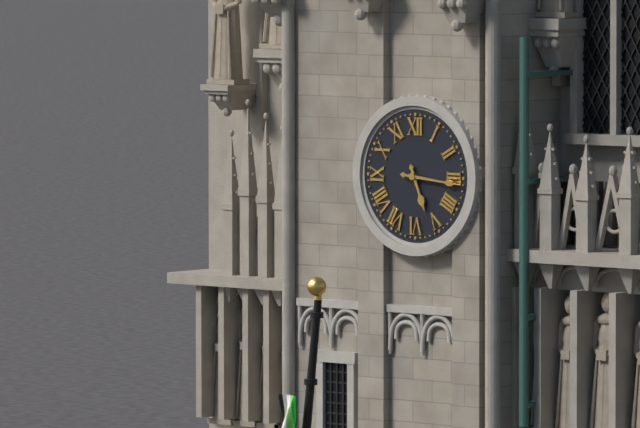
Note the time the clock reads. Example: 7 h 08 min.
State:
5 h 16 min
